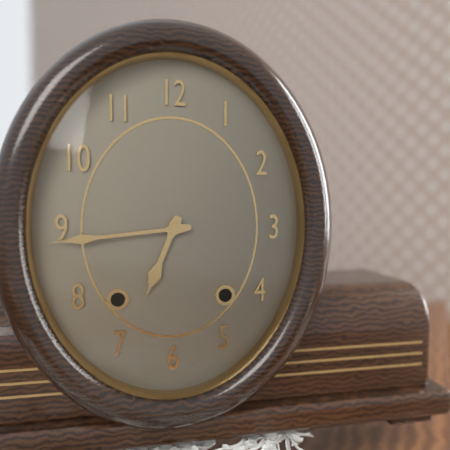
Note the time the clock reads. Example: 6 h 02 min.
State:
6 h 44 min
